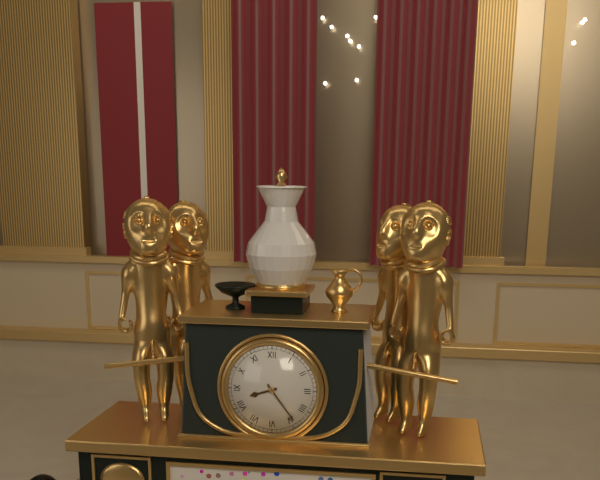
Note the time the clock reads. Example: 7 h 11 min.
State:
8 h 24 min
